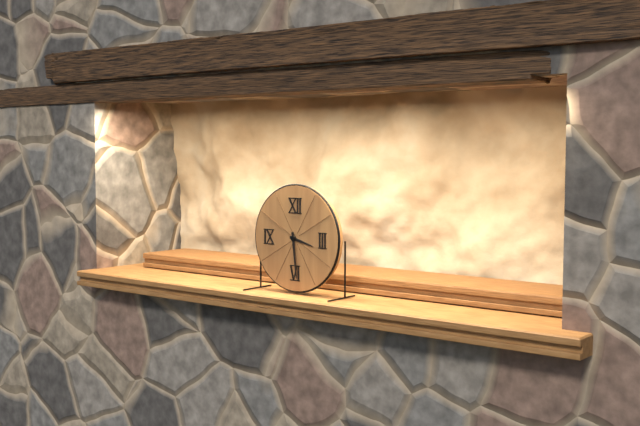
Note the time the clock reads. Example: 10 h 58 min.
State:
3 h 29 min
